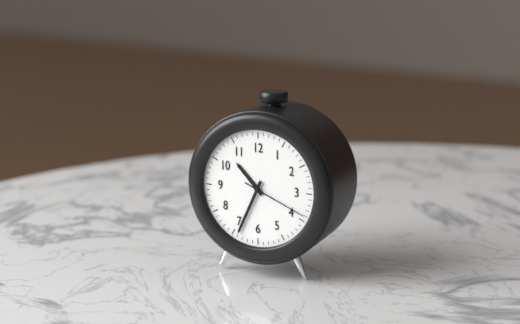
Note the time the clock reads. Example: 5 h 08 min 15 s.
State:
10 h 34 min 19 s
